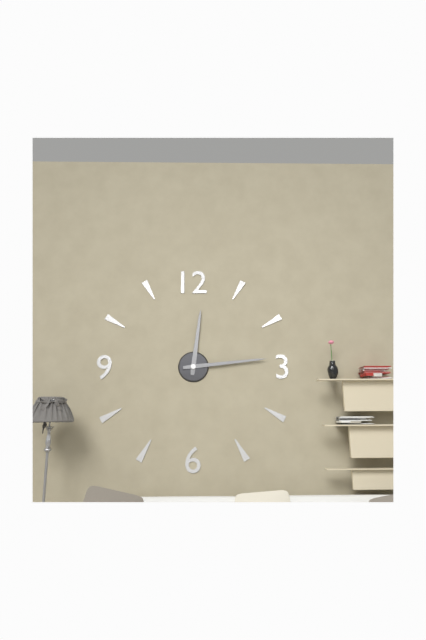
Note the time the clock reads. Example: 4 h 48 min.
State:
12 h 14 min
